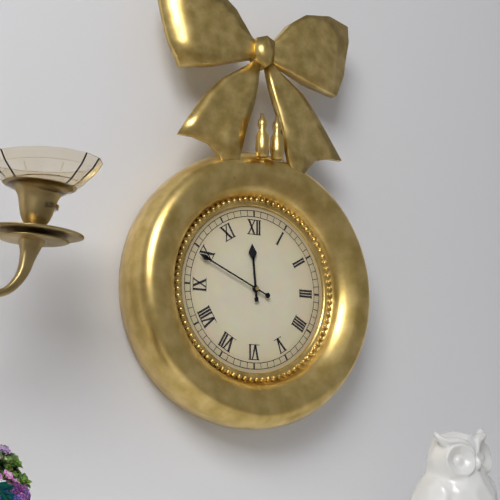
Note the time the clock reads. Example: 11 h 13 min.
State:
11 h 49 min
